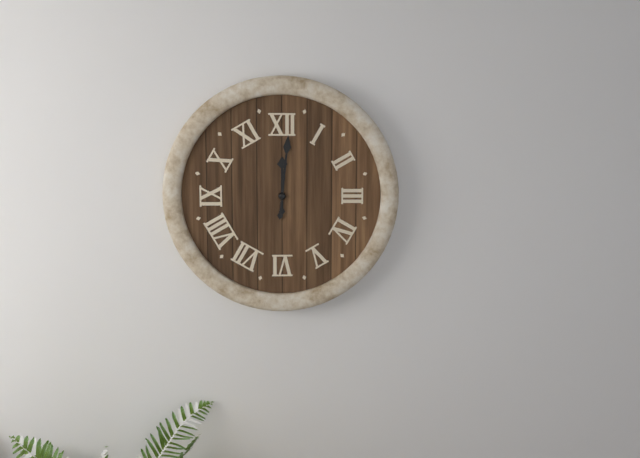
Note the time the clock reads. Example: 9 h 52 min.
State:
12 h 01 min
